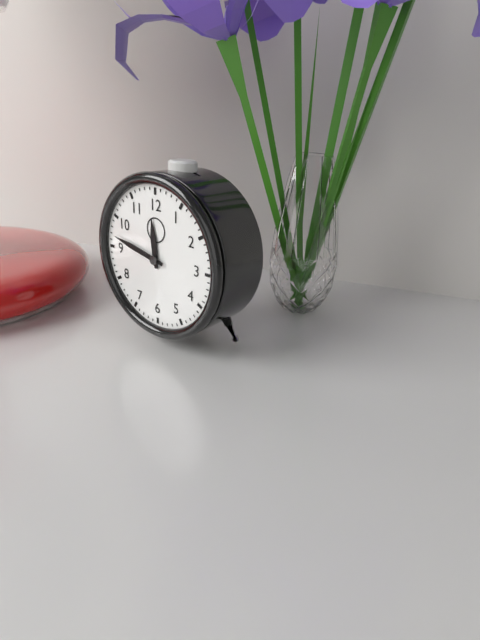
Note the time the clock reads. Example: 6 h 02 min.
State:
11 h 47 min
